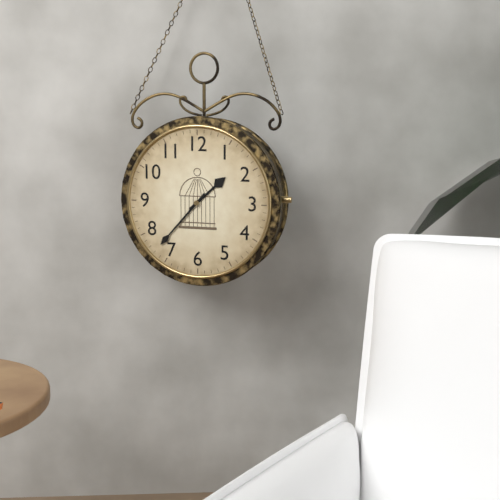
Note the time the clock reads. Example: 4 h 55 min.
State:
1 h 37 min
